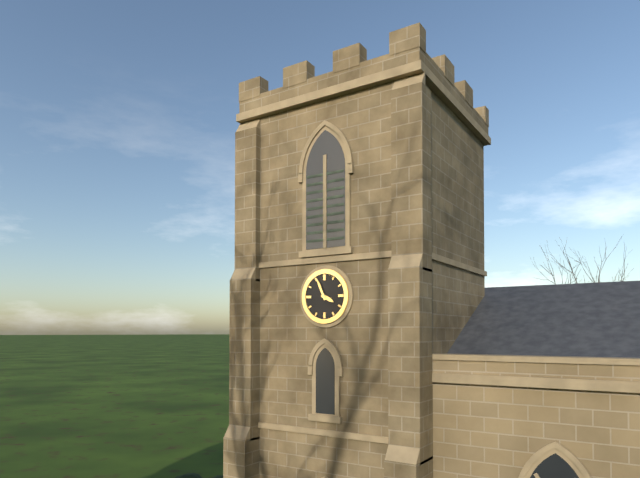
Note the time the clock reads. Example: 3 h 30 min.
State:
3 h 56 min
